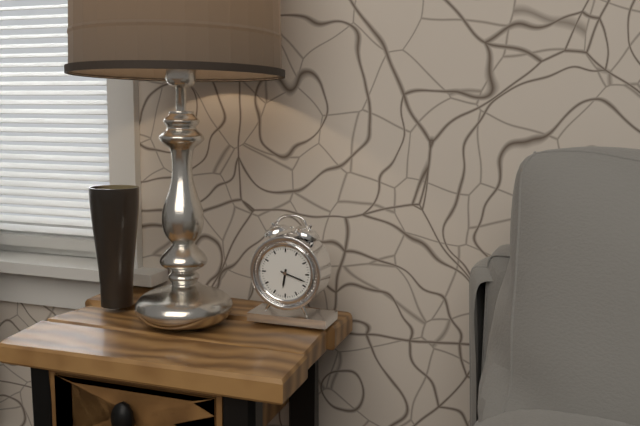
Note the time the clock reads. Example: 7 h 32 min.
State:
6 h 18 min
